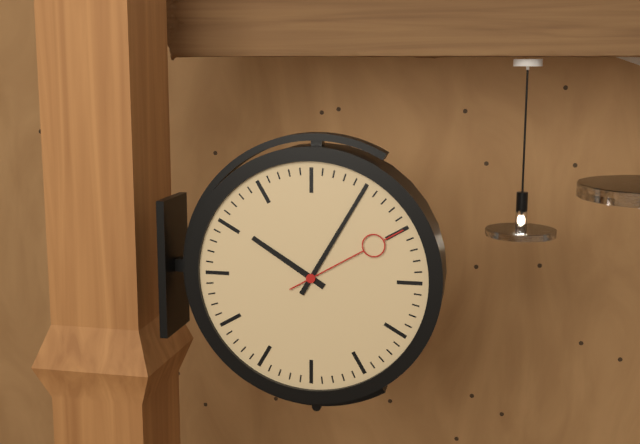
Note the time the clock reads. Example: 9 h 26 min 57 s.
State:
10 h 05 min 10 s
